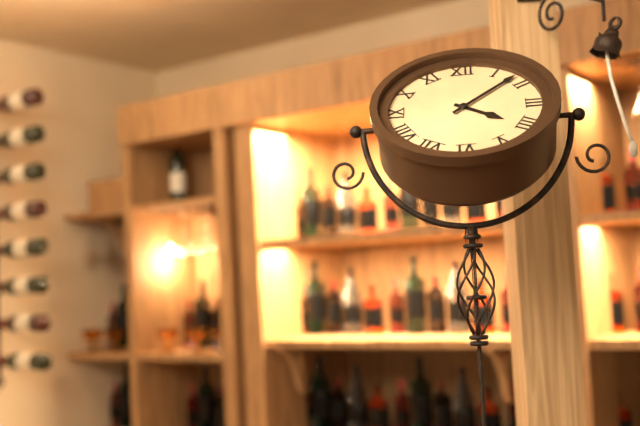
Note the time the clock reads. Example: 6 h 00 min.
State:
4 h 08 min
